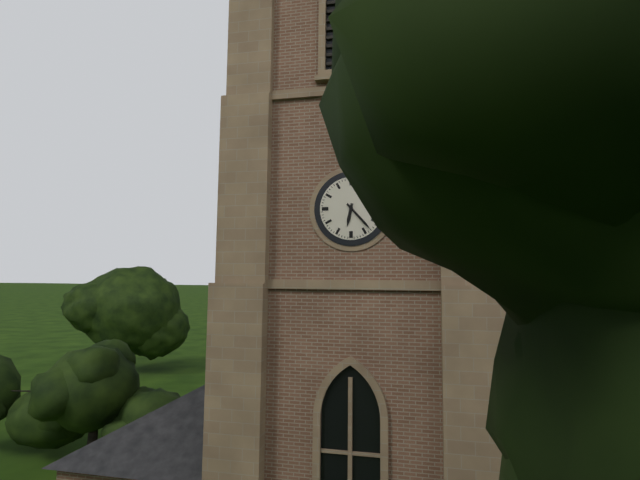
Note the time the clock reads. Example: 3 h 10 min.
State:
6 h 23 min
